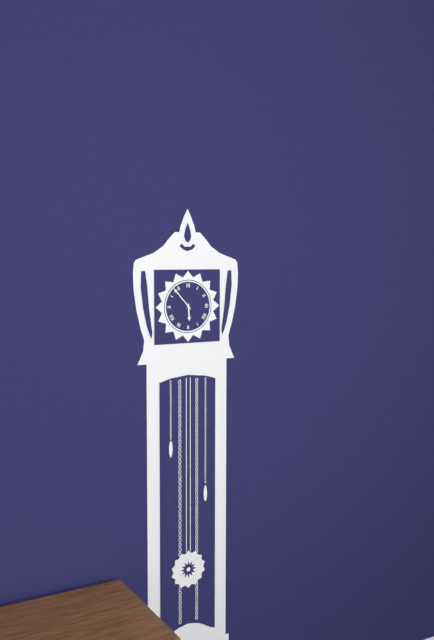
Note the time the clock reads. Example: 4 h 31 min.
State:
5 h 53 min
